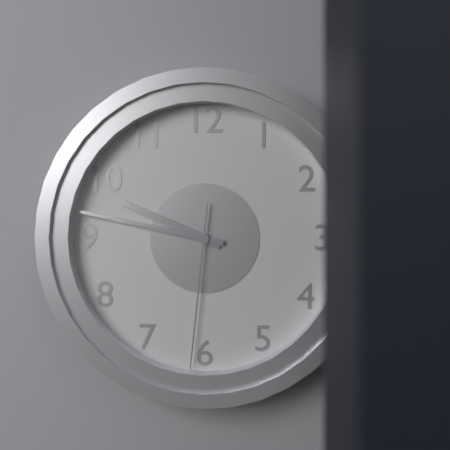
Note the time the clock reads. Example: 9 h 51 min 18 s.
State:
9 h 47 min 31 s
